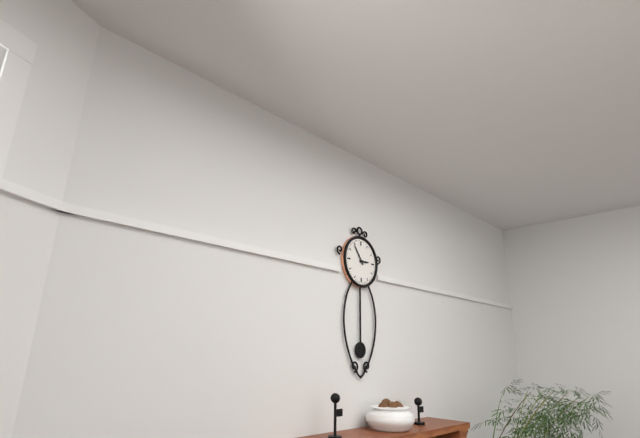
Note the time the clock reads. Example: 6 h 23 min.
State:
2 h 54 min
